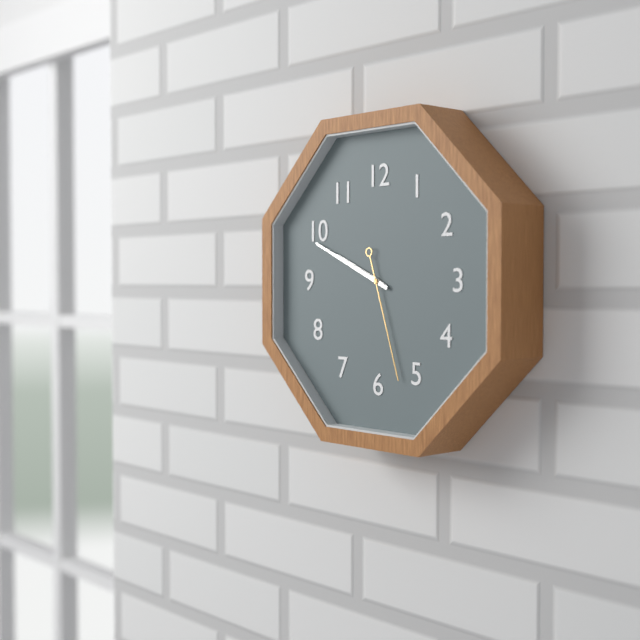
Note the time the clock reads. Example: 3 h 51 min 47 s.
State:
9 h 49 min 27 s
